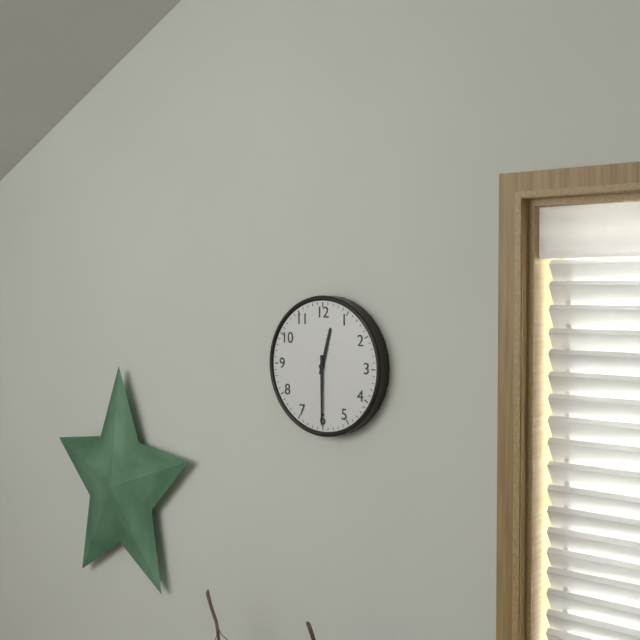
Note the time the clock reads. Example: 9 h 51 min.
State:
12 h 30 min
